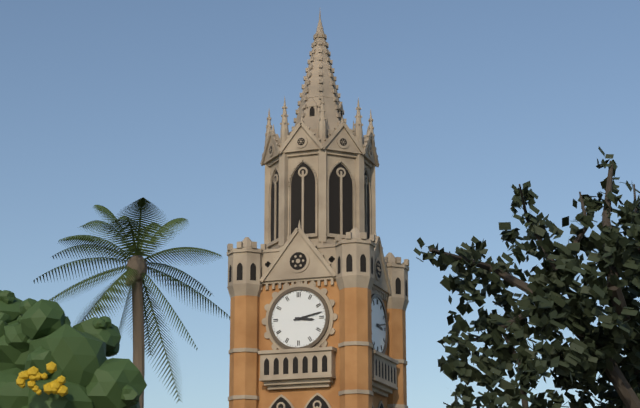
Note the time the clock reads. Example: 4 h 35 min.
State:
3 h 13 min
